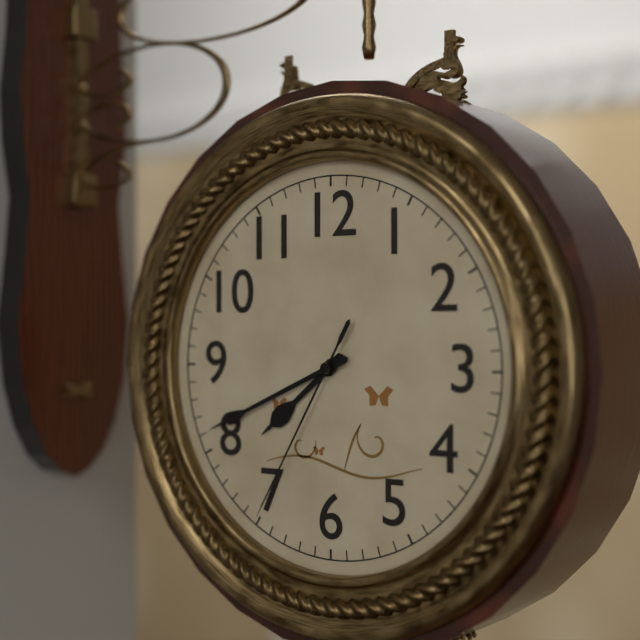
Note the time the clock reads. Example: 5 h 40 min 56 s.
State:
7 h 41 min 35 s
